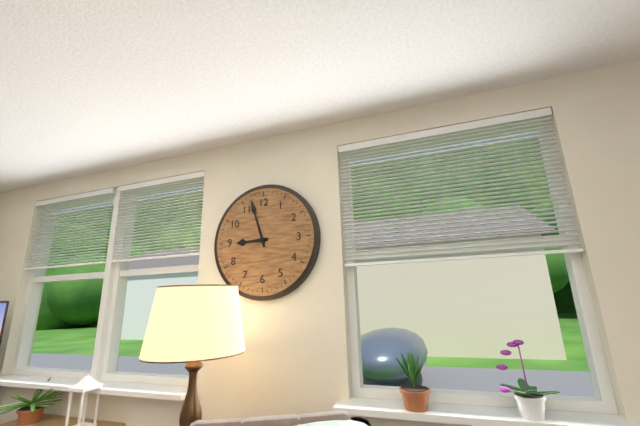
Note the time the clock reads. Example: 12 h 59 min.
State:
8 h 57 min
